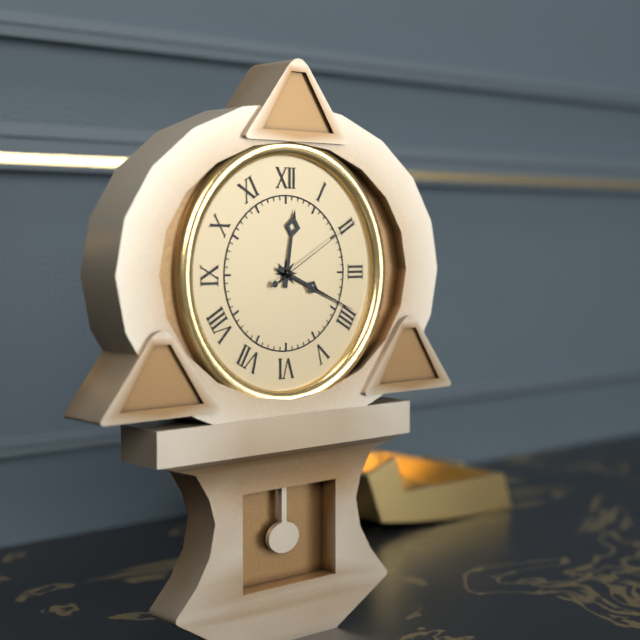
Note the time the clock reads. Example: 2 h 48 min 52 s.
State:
12 h 19 min 10 s
